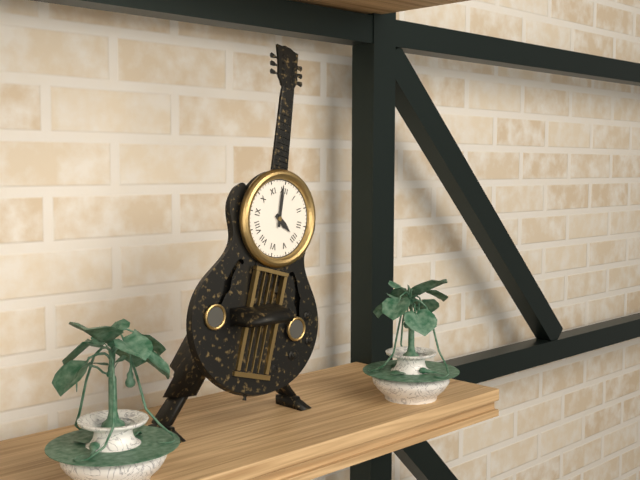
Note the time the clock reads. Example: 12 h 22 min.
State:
3 h 59 min
